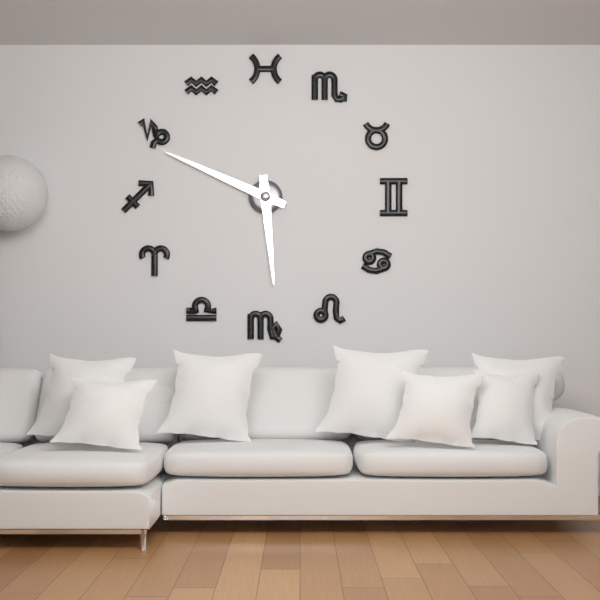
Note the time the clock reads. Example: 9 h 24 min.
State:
5 h 49 min
